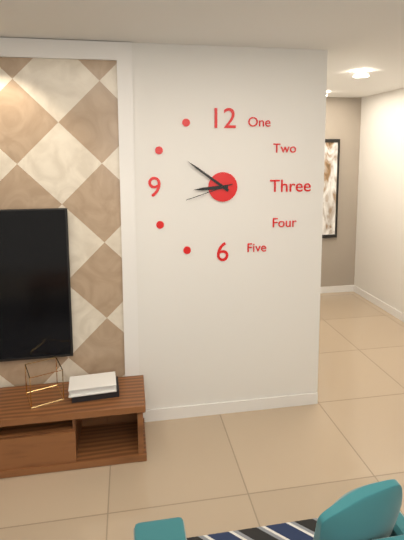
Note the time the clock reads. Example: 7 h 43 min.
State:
8 h 51 min
